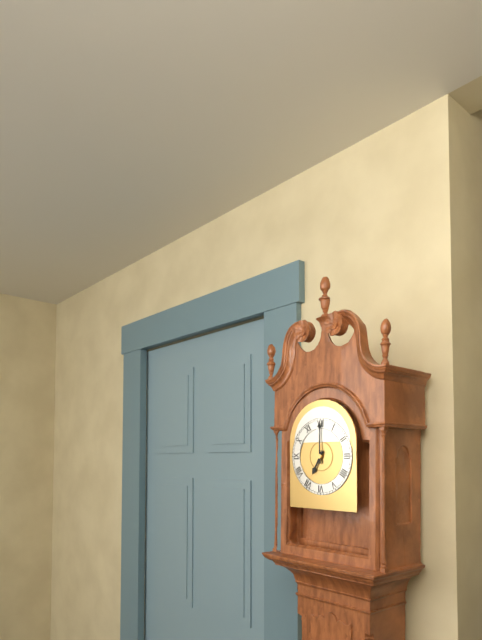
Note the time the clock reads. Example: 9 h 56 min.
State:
7 h 00 min
